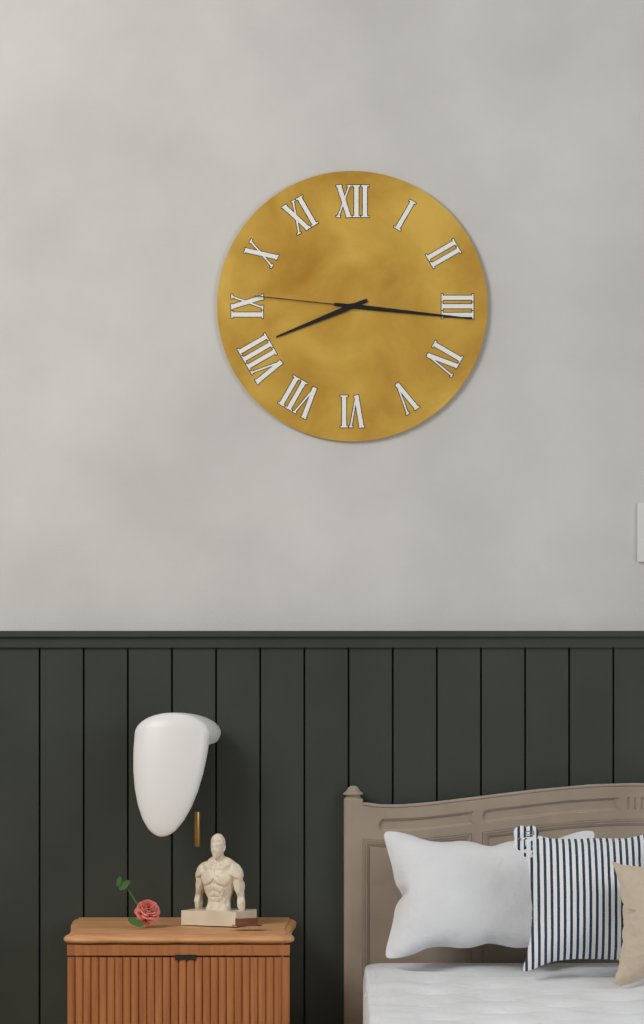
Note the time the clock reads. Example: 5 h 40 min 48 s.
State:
8 h 16 min 46 s
